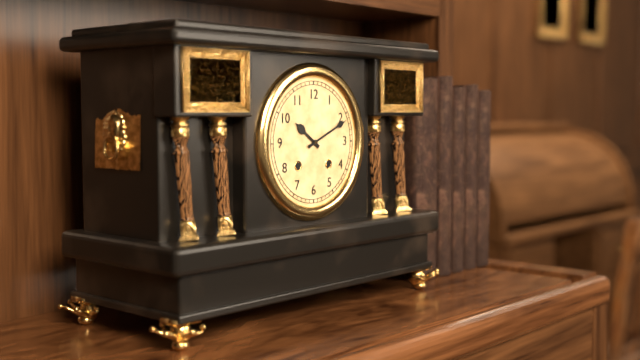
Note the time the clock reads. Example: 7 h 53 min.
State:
10 h 11 min
